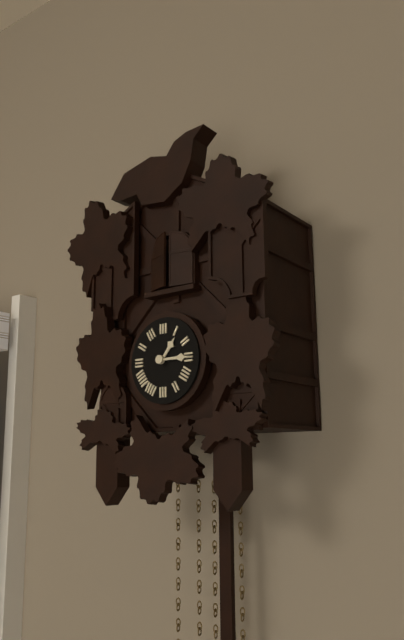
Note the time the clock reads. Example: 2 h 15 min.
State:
1 h 15 min
